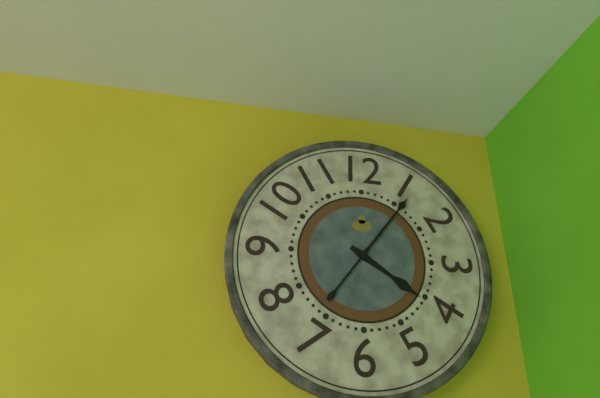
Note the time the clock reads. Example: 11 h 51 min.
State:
4 h 06 min
